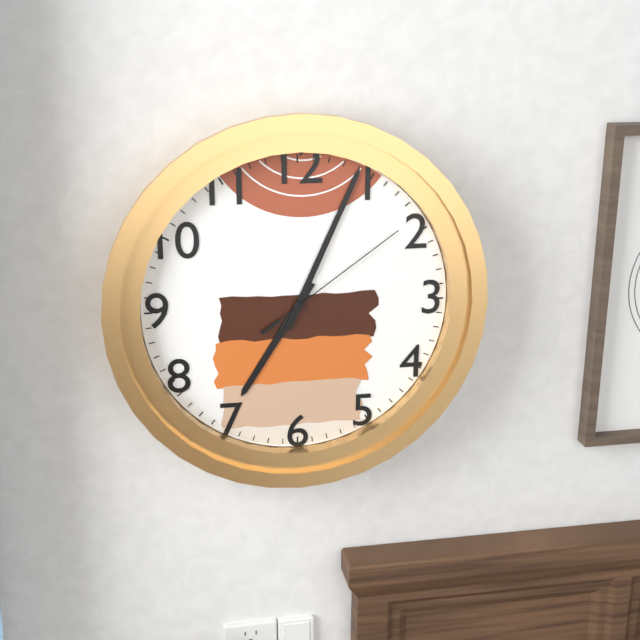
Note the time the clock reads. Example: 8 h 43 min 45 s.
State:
7 h 04 min 09 s
